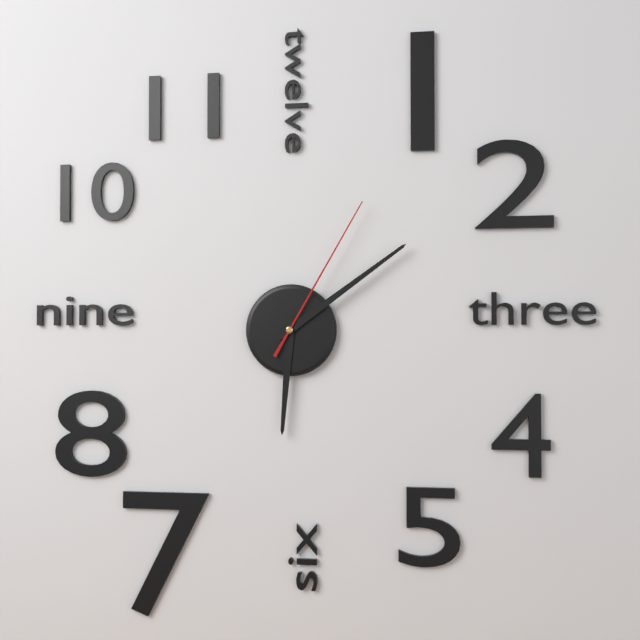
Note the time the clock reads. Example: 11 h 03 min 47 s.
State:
6 h 09 min 05 s
